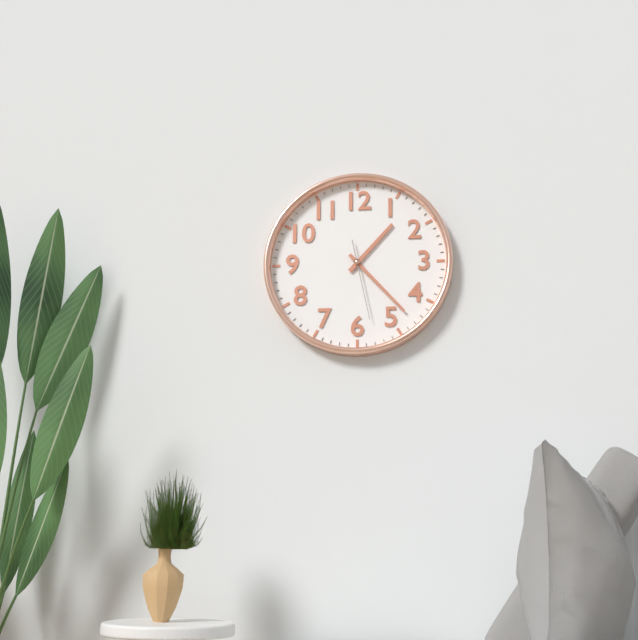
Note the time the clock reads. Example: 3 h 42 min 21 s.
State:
1 h 23 min 28 s
